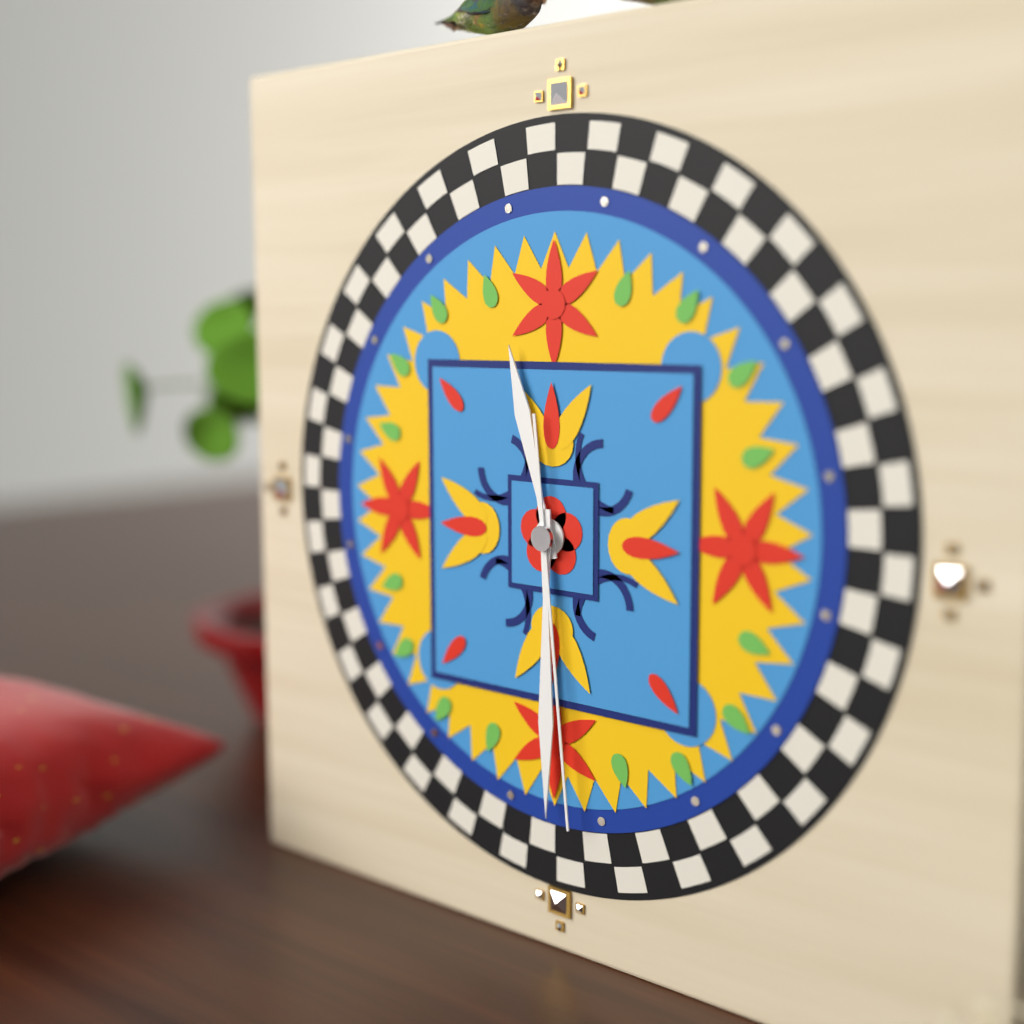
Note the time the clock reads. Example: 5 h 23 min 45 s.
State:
11 h 30 min 29 s
